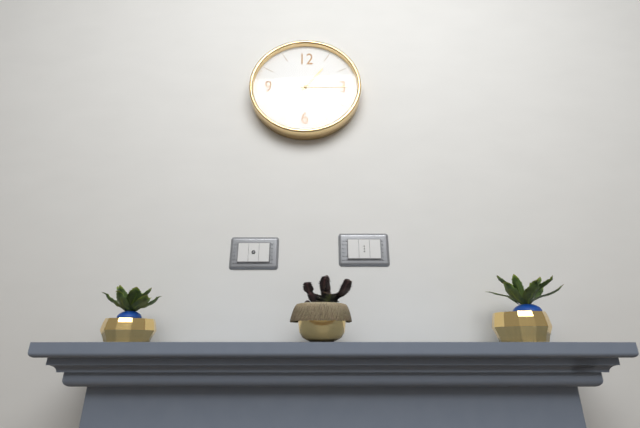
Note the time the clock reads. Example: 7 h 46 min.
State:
1 h 15 min
